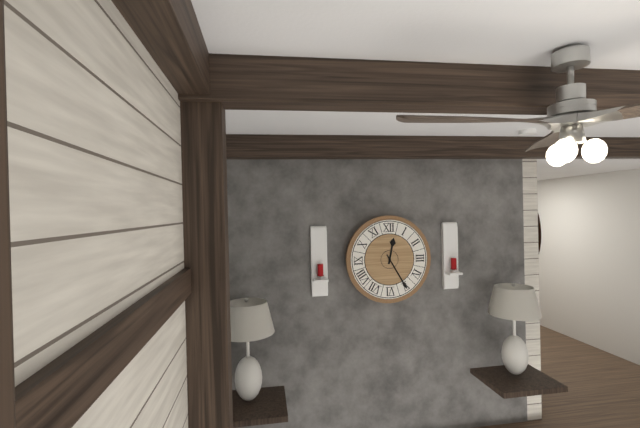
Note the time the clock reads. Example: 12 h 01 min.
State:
12 h 25 min
